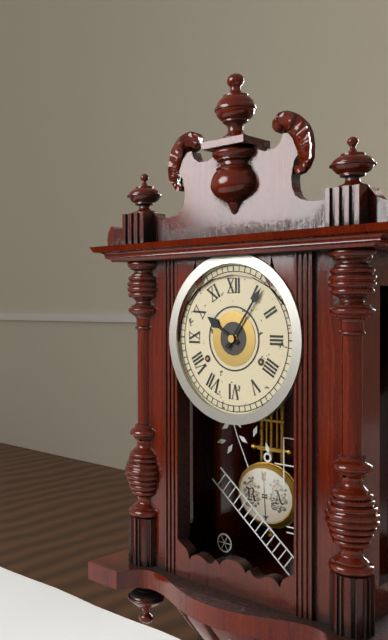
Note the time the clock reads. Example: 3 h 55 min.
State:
10 h 06 min
